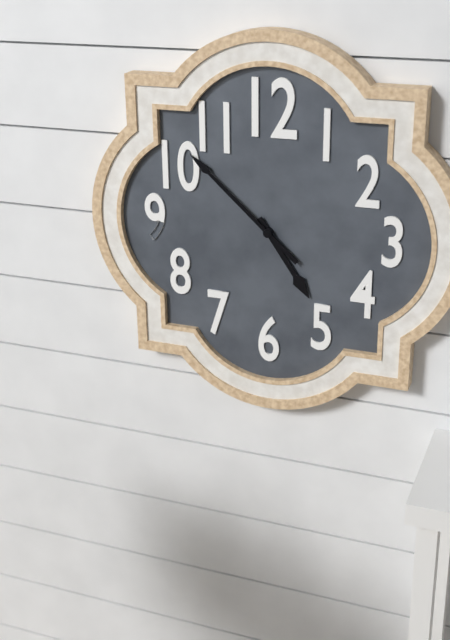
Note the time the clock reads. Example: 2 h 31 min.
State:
4 h 52 min
